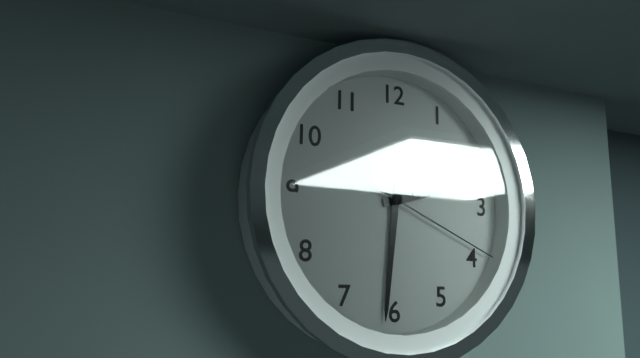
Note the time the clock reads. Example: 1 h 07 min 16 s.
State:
2 h 31 min 19 s
